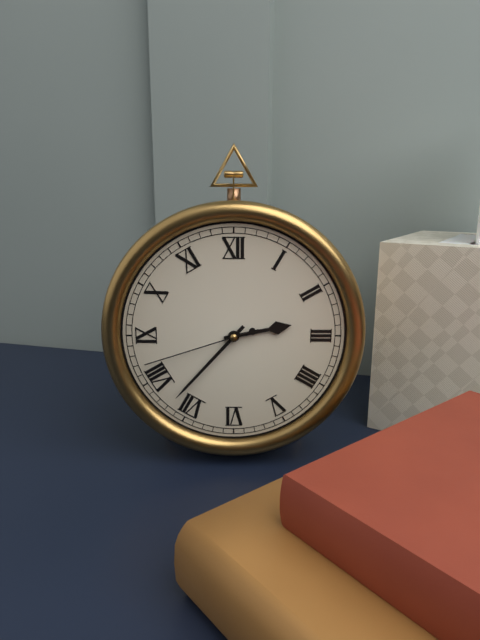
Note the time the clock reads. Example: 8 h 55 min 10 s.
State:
2 h 37 min 42 s
